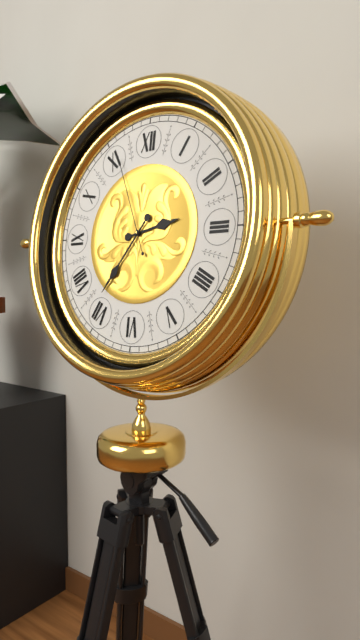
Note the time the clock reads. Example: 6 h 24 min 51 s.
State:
2 h 36 min 56 s
